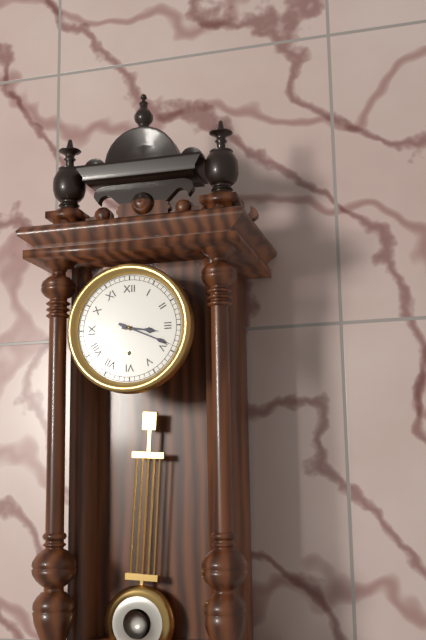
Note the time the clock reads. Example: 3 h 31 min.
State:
3 h 19 min
